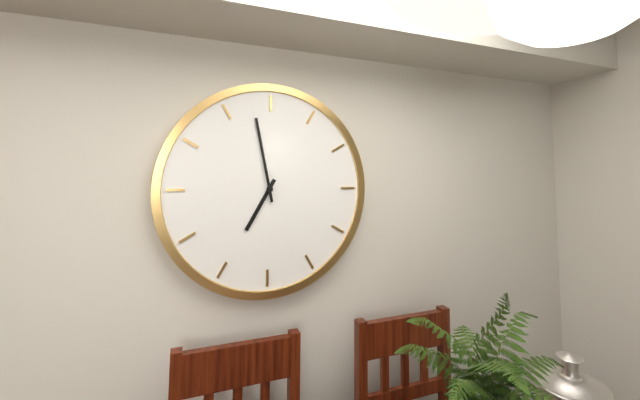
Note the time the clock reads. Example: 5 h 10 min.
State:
6 h 58 min
